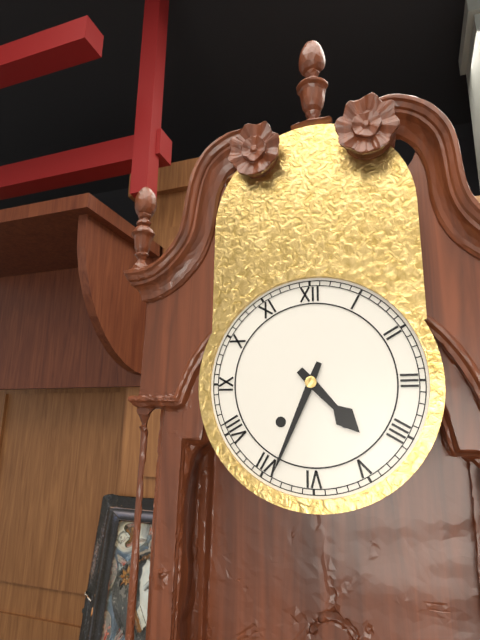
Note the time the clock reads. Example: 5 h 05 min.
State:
4 h 34 min
